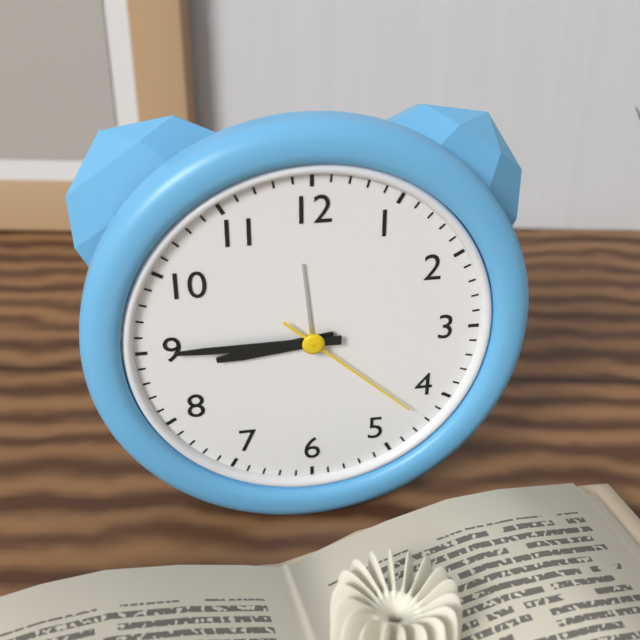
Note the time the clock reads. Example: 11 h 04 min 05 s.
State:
8 h 45 min 22 s
